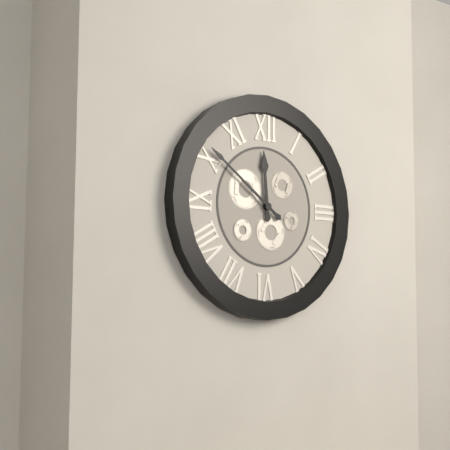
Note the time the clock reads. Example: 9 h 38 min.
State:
11 h 51 min
